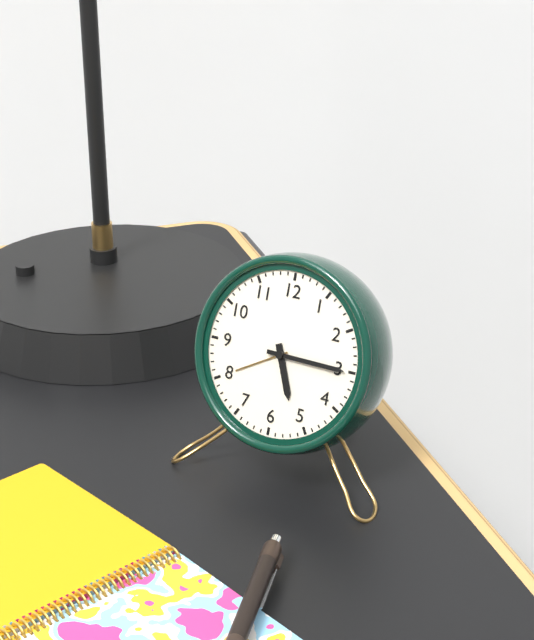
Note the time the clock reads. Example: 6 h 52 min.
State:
5 h 15 min
